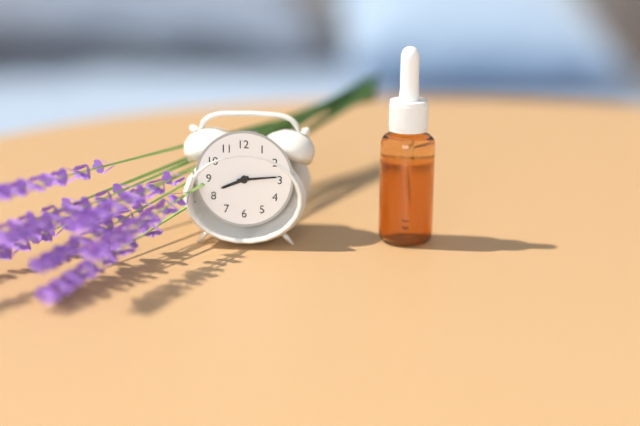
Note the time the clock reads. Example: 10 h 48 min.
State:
8 h 14 min
